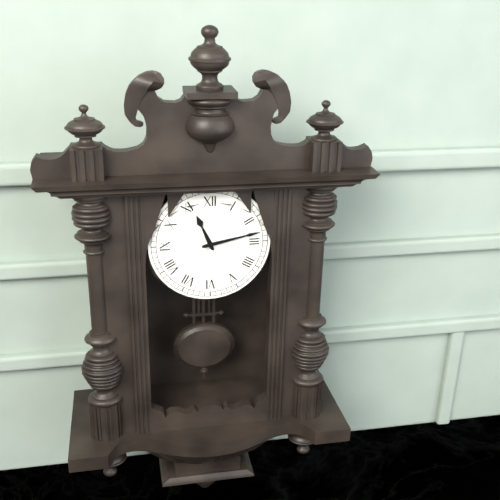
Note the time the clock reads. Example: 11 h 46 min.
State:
11 h 13 min
